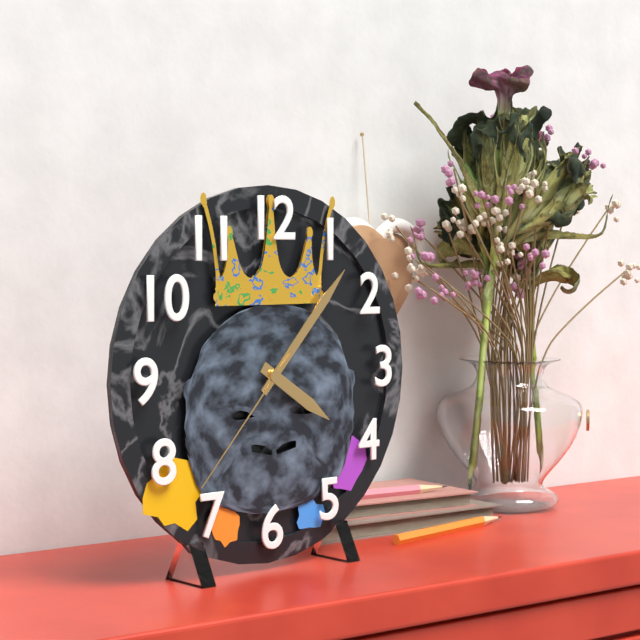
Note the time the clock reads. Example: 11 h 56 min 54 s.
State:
4 h 07 min 37 s
